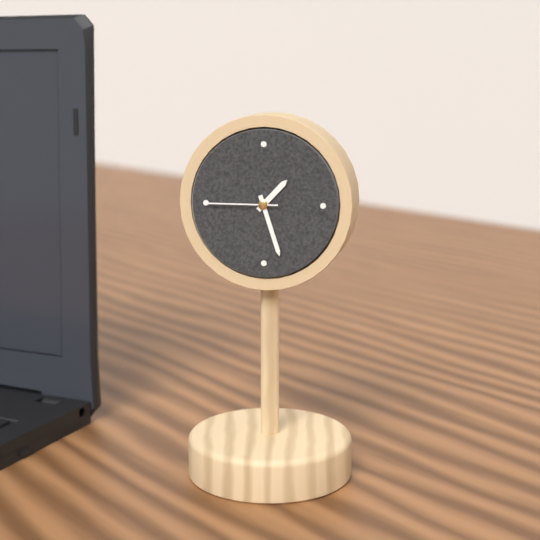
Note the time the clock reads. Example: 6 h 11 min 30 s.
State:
1 h 27 min 45 s
